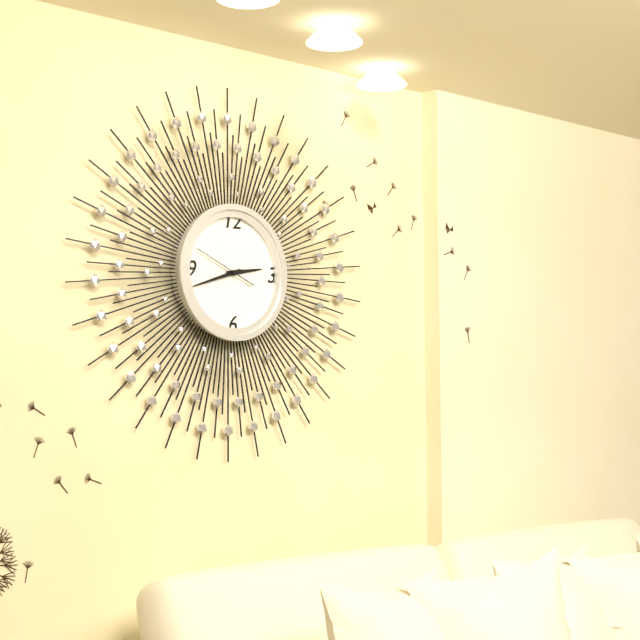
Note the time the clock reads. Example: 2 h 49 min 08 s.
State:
2 h 42 min 49 s
